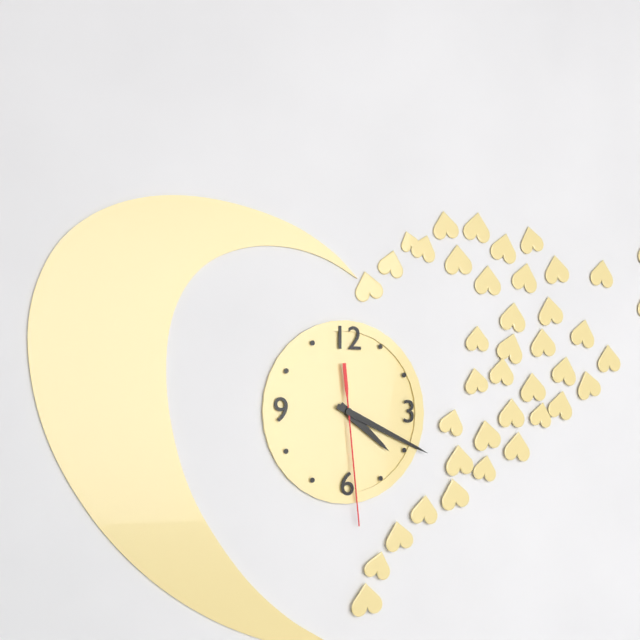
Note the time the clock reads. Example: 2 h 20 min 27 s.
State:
4 h 19 min 29 s
